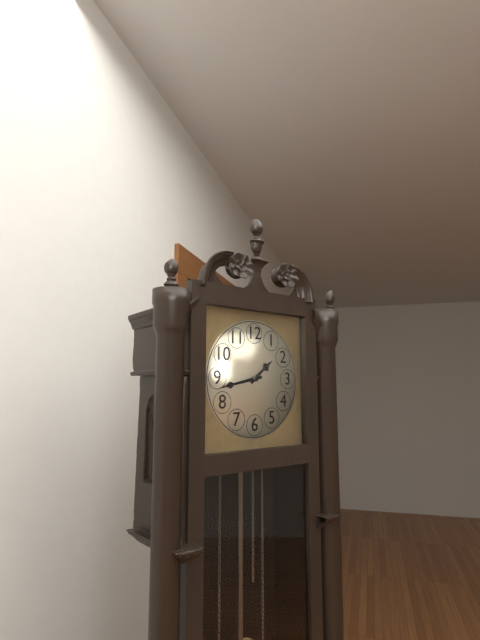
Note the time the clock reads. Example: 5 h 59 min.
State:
1 h 43 min
